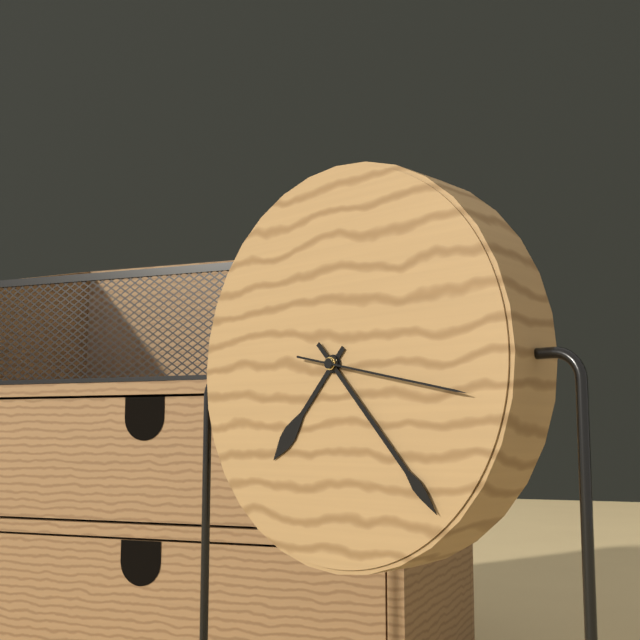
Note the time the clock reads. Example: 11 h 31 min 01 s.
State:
7 h 23 min 17 s
